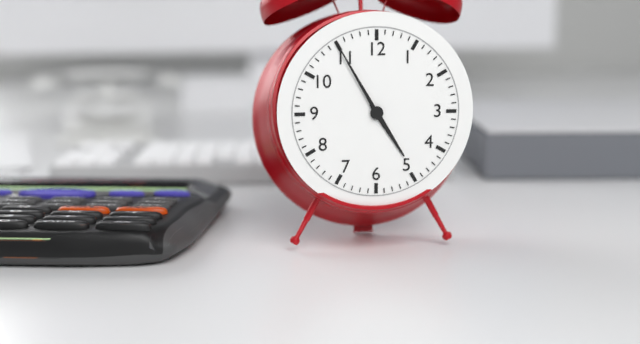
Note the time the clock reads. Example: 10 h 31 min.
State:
4 h 55 min
